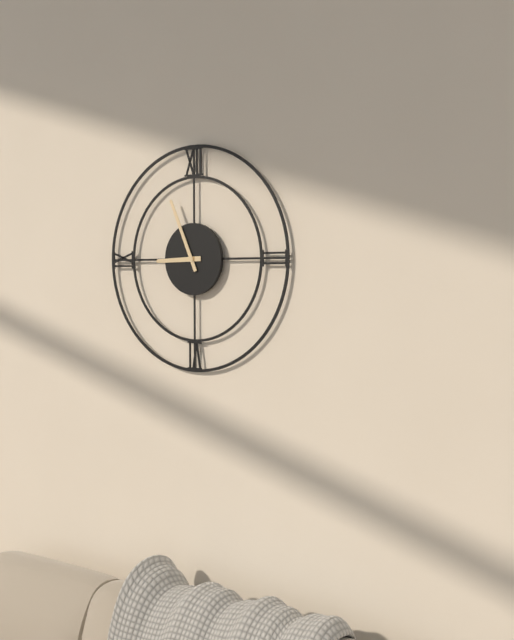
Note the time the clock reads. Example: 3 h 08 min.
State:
8 h 56 min
